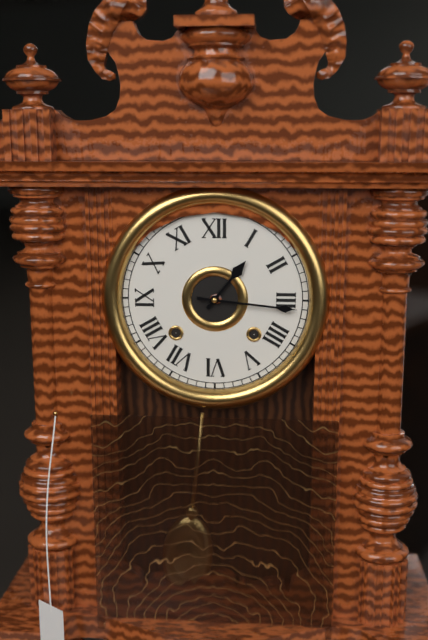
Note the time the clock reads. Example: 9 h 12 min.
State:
1 h 16 min
